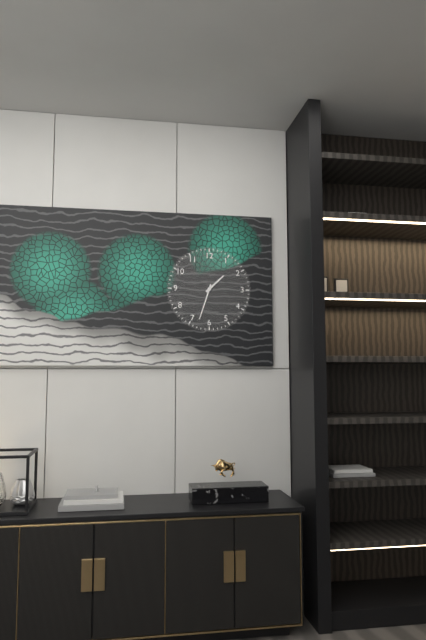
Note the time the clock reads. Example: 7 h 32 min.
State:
1 h 33 min
